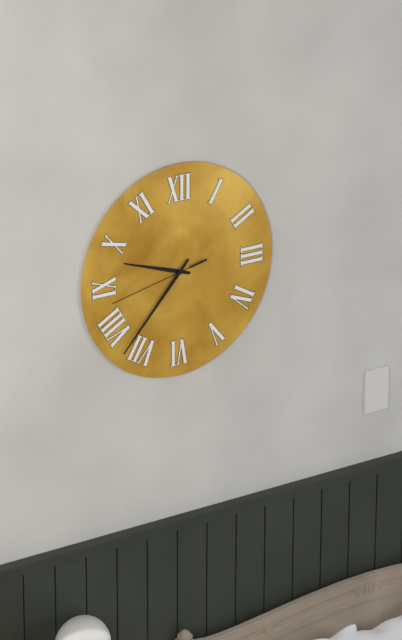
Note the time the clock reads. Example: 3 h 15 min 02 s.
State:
9 h 37 min 43 s
